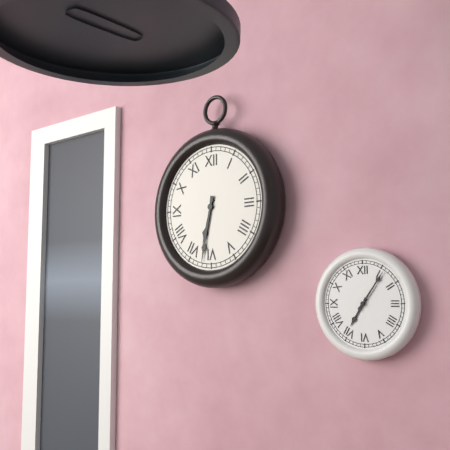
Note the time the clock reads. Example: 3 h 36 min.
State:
6 h 32 min
